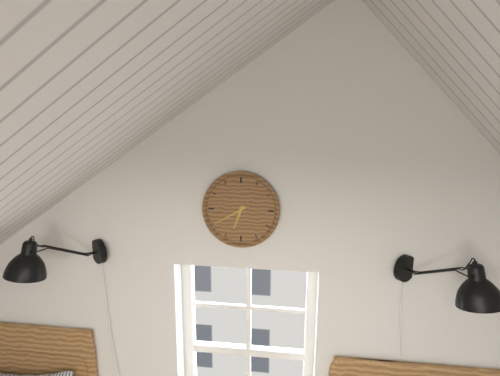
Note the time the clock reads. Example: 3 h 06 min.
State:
6 h 40 min
